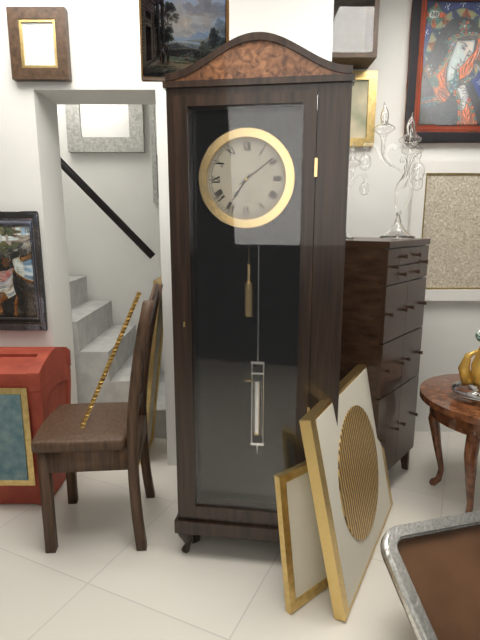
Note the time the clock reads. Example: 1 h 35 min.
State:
7 h 09 min
